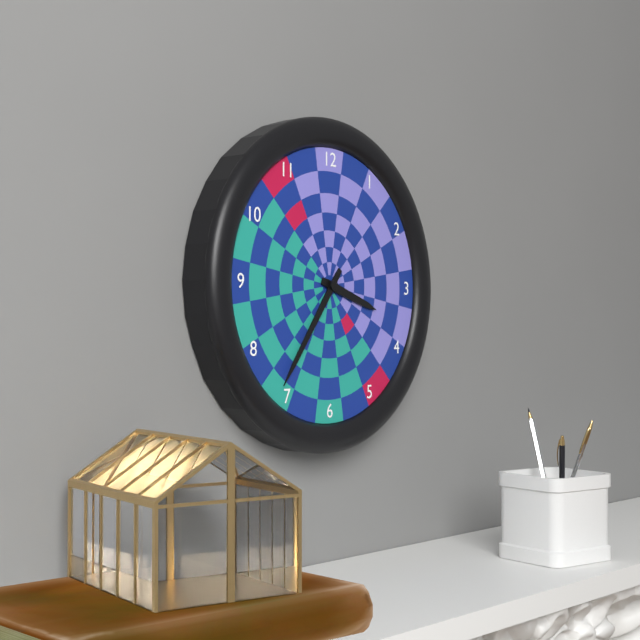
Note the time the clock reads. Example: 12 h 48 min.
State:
3 h 36 min
